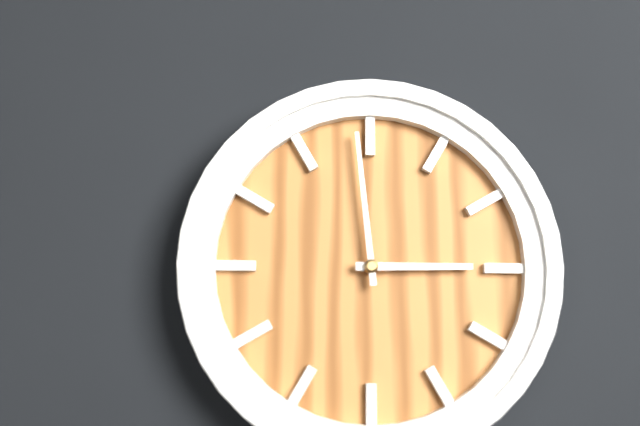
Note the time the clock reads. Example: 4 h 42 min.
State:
2 h 59 min
